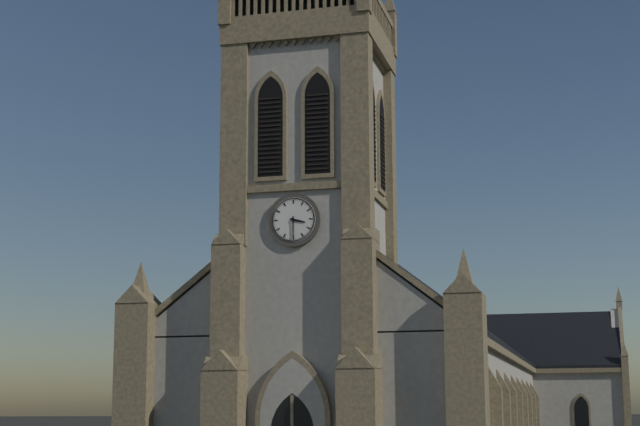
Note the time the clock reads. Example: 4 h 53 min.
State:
3 h 30 min
